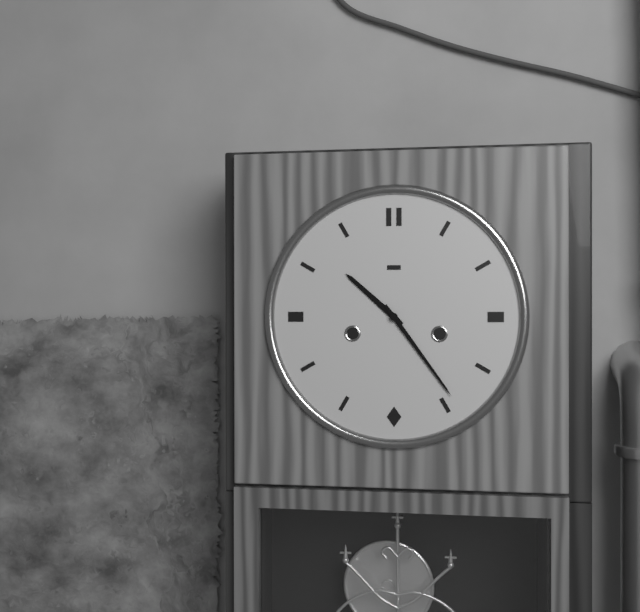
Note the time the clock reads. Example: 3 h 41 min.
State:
10 h 24 min
